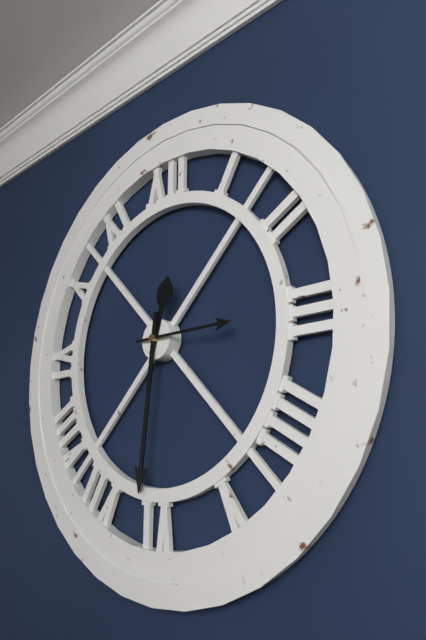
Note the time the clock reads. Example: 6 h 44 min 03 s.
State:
12 h 31 min 15 s
